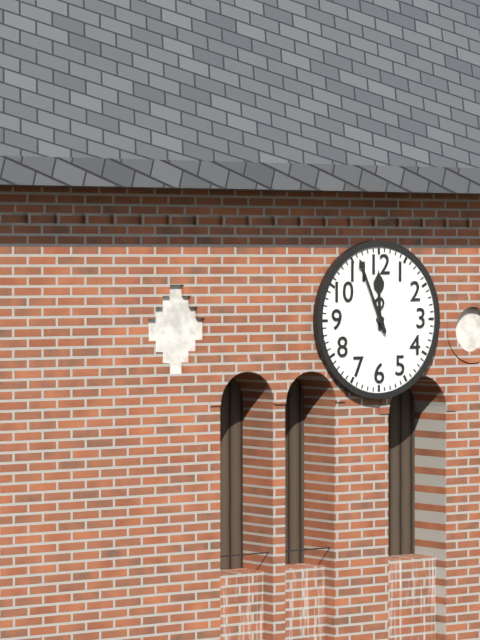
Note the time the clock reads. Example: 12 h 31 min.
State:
11 h 56 min
